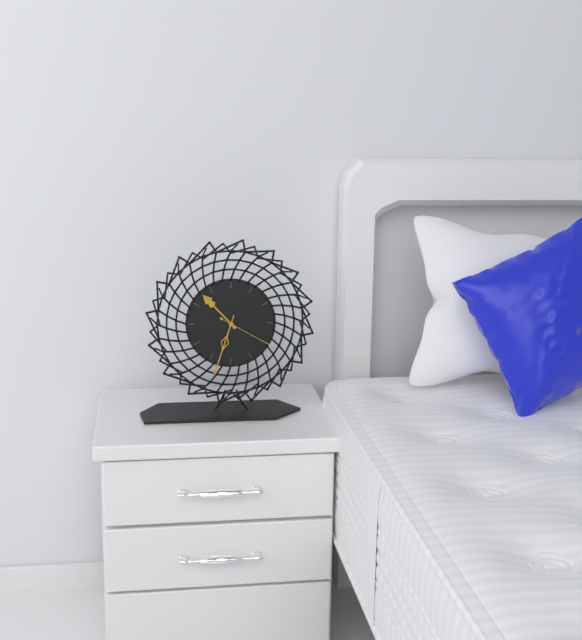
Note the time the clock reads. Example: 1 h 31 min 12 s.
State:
10 h 33 min 20 s
